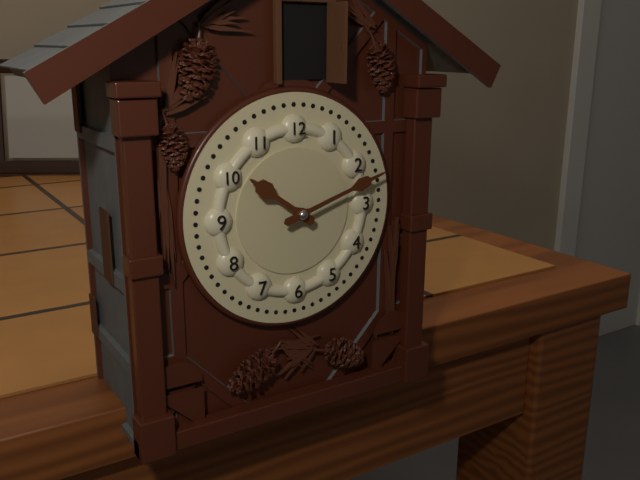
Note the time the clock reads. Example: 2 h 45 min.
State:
10 h 12 min
